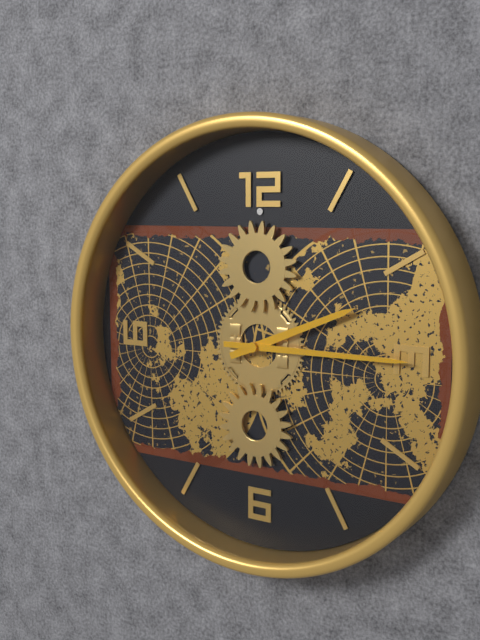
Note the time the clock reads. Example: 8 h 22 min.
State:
2 h 15 min
